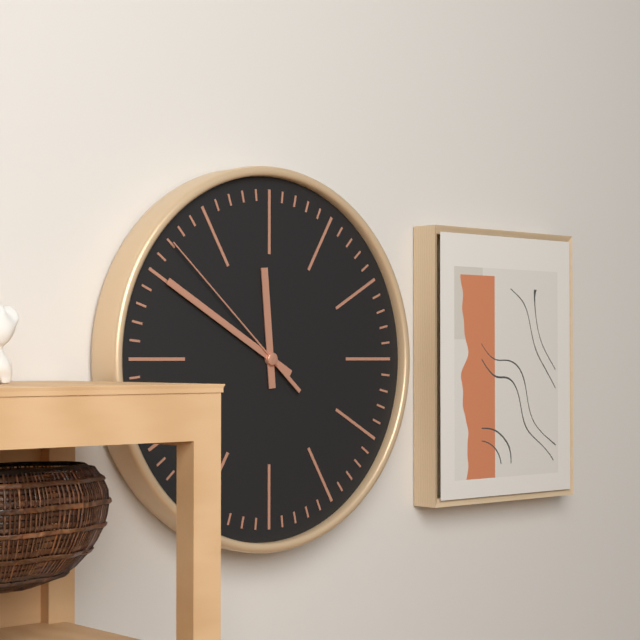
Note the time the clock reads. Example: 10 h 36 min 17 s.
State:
11 h 50 min 52 s
